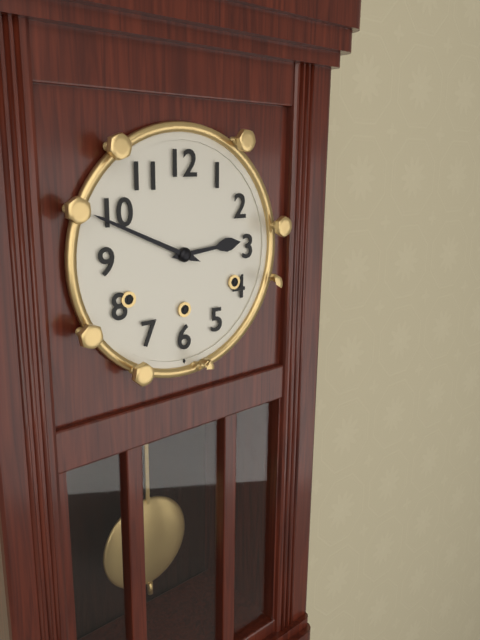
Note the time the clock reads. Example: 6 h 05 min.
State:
2 h 49 min
